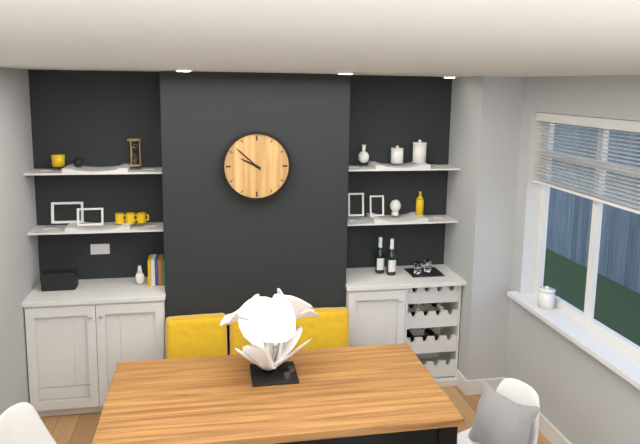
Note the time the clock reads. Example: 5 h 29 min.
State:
9 h 52 min
